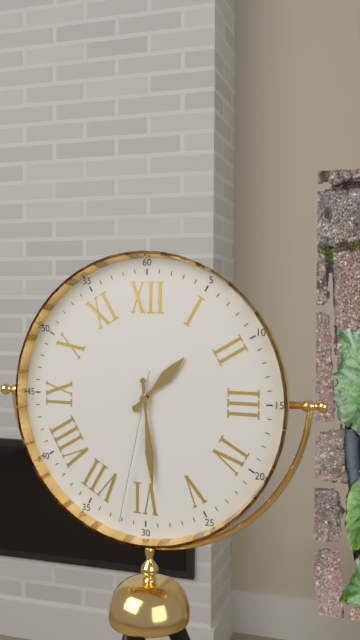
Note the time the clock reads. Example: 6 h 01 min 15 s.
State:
1 h 29 min 32 s
